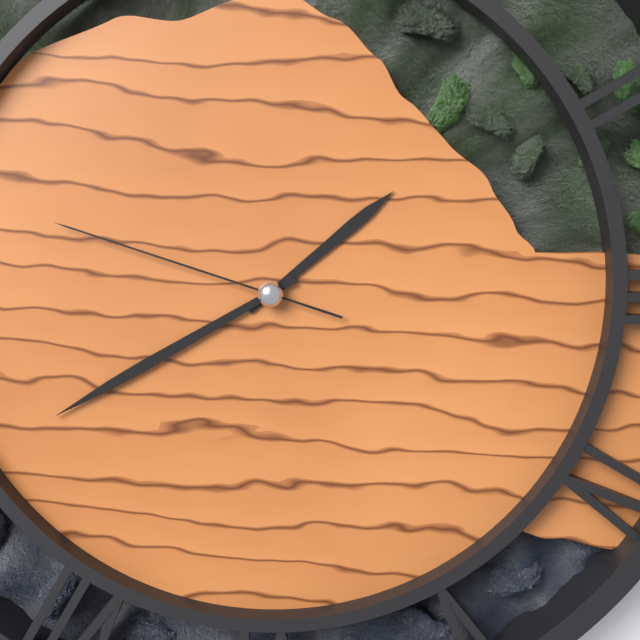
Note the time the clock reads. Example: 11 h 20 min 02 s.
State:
1 h 40 min 48 s
